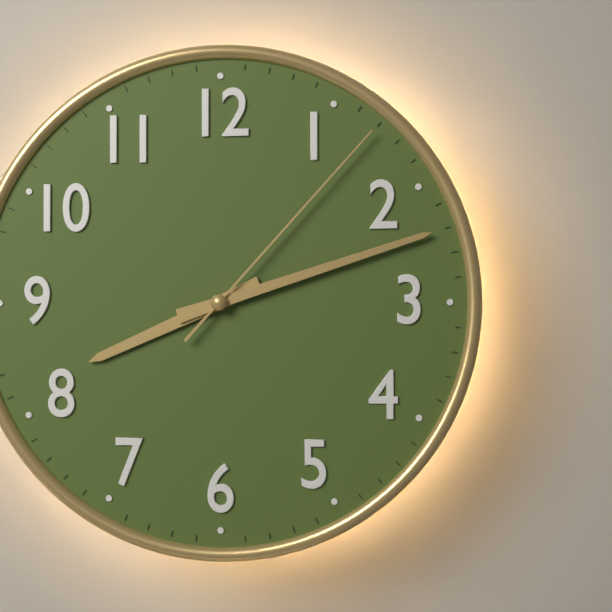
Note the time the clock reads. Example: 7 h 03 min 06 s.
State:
8 h 12 min 07 s
